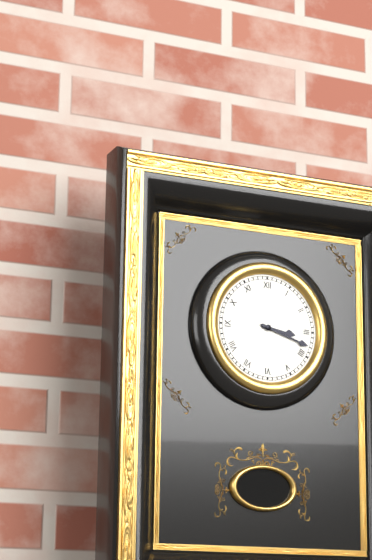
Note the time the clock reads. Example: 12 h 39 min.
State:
3 h 18 min
